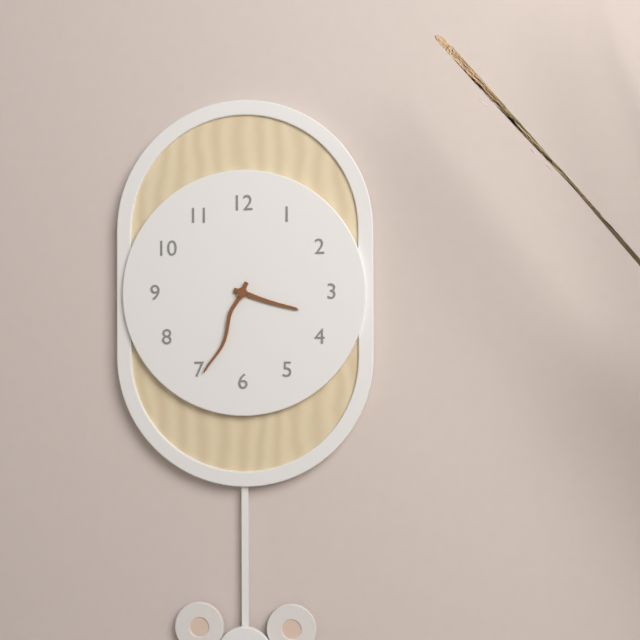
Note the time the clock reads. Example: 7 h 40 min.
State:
3 h 34 min
